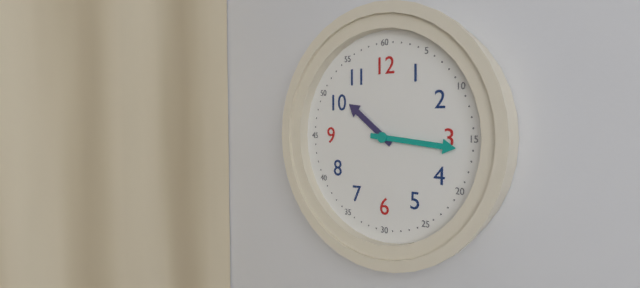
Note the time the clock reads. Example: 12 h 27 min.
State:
10 h 16 min
